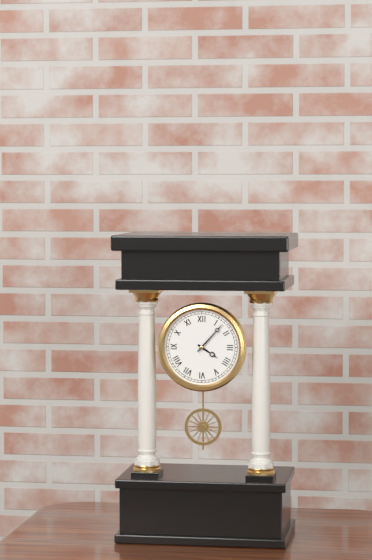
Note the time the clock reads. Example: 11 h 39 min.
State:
4 h 07 min
